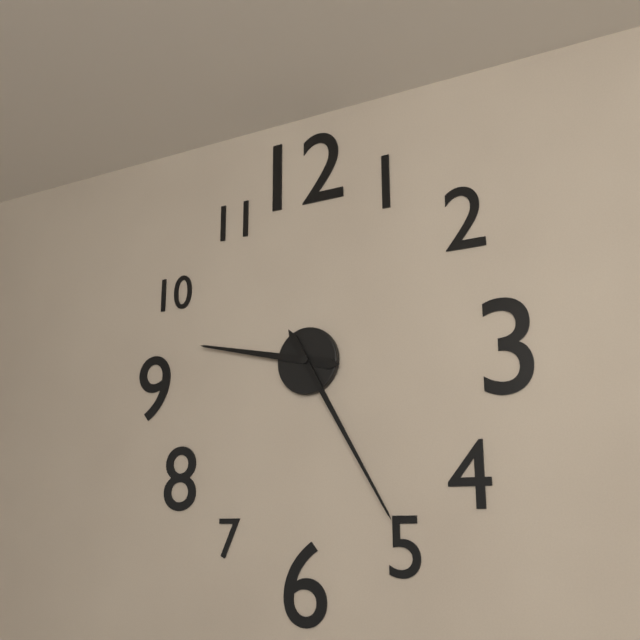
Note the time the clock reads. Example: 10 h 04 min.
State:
9 h 25 min
